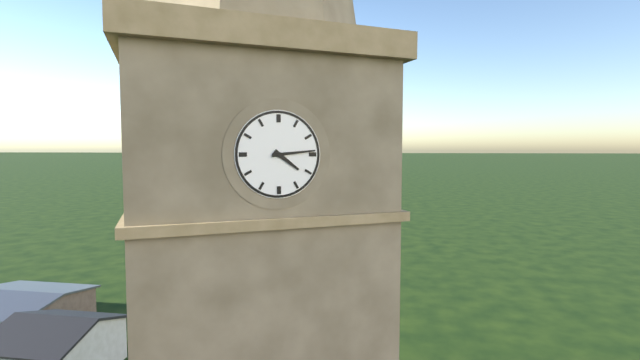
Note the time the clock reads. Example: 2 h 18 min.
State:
4 h 14 min
